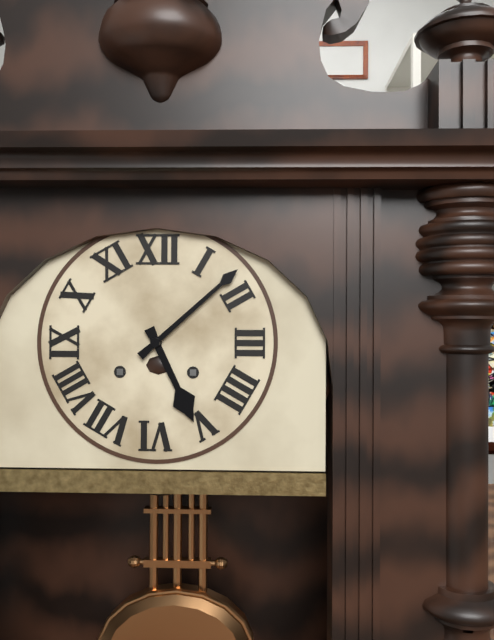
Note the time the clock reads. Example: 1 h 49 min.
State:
5 h 08 min
